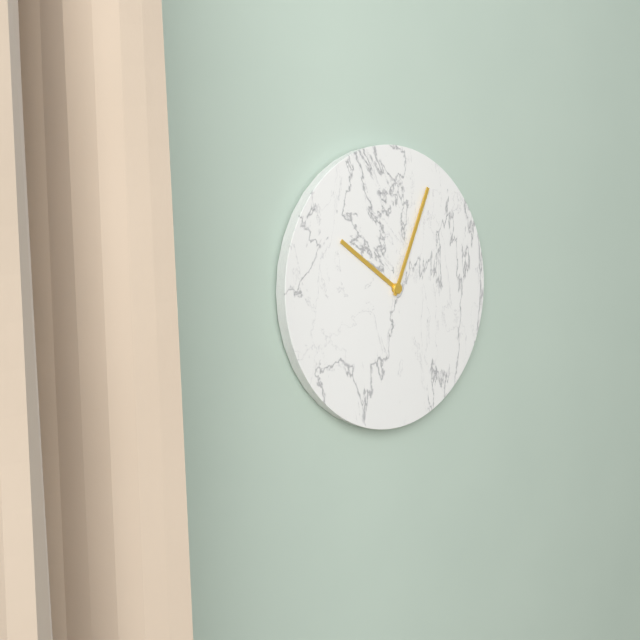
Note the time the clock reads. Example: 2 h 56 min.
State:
10 h 04 min
